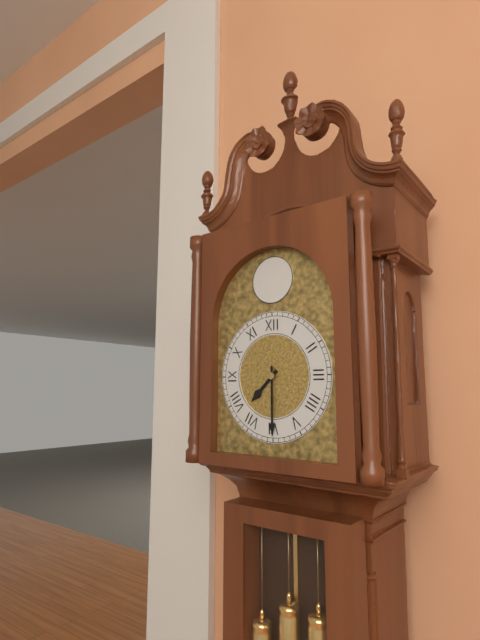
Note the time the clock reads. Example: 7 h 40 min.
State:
7 h 30 min
